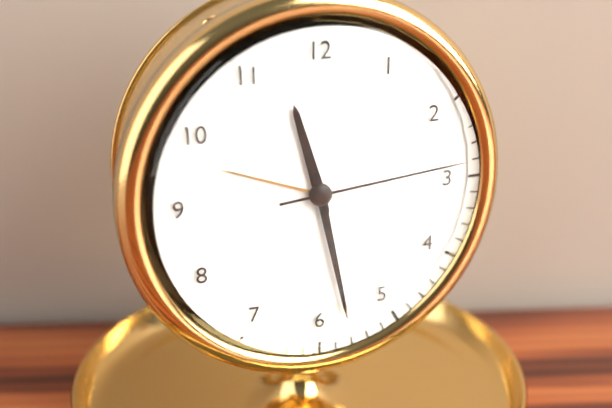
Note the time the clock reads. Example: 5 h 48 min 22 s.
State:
11 h 28 min 14 s
